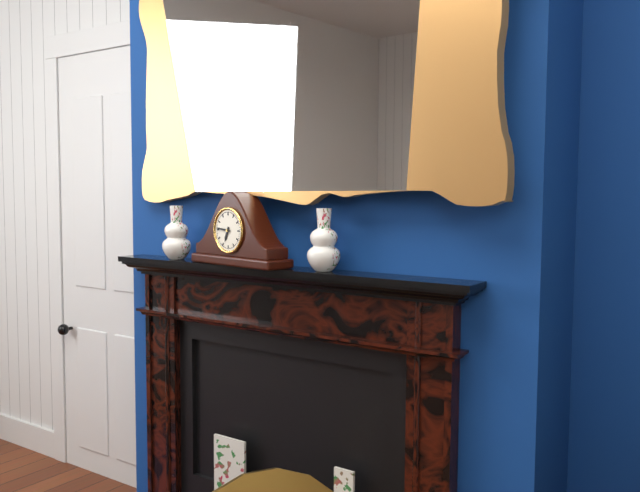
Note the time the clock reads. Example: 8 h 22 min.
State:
6 h 46 min
